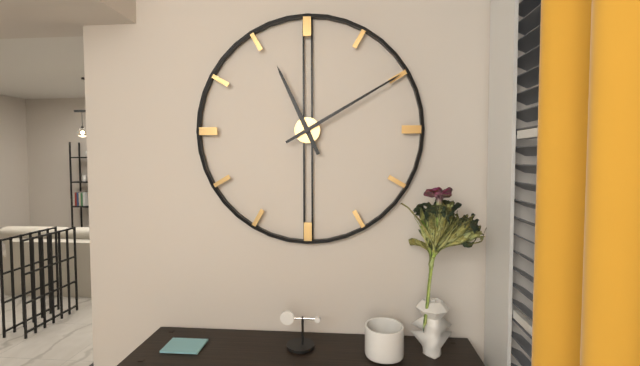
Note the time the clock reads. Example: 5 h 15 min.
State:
11 h 10 min
